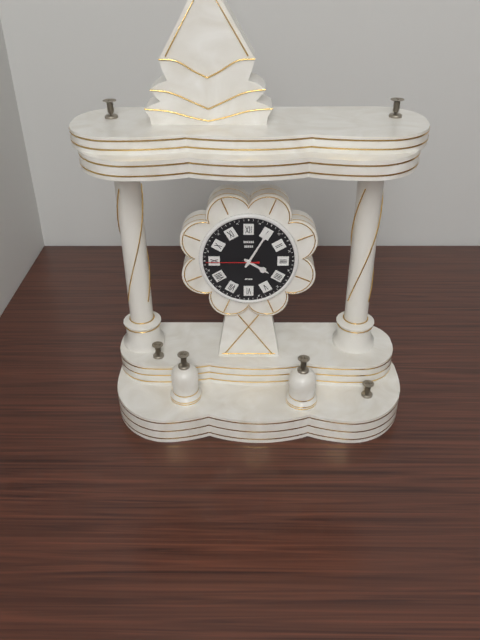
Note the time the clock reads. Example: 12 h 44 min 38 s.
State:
4 h 05 min 45 s
